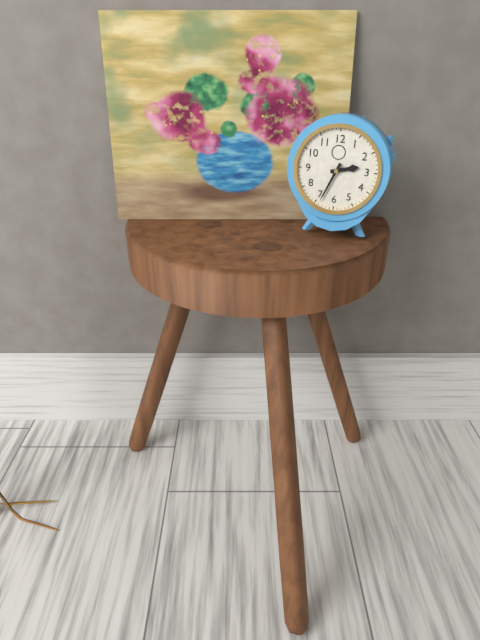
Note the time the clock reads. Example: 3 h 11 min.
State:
2 h 34 min
